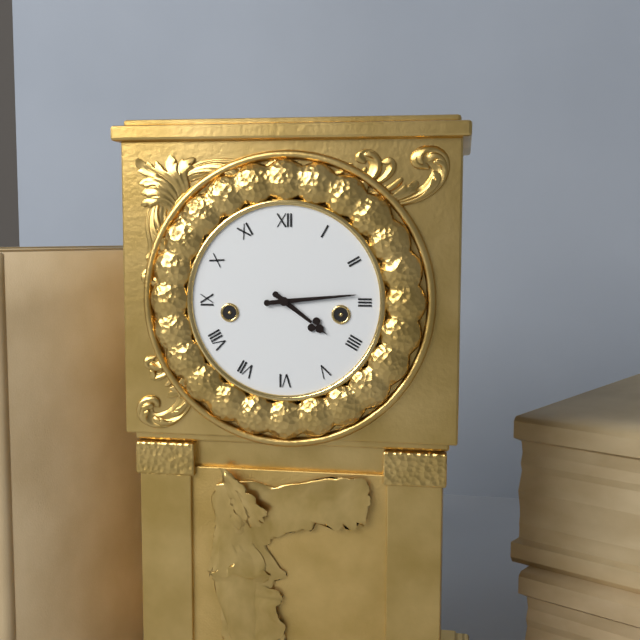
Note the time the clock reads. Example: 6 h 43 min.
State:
4 h 14 min
